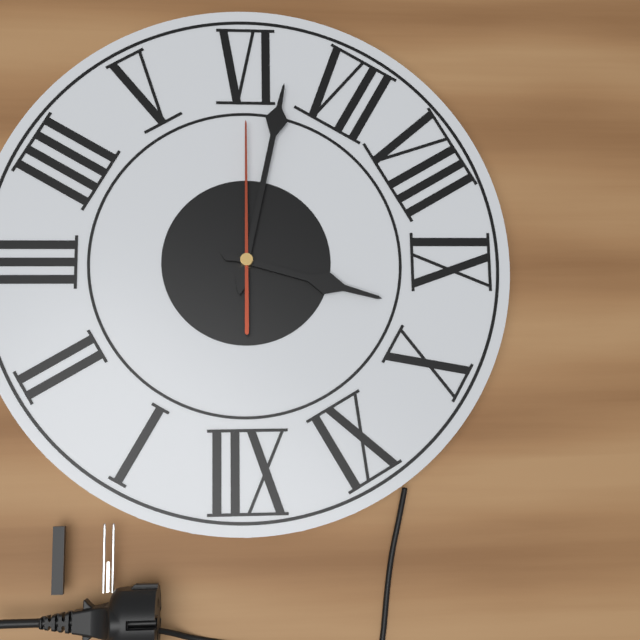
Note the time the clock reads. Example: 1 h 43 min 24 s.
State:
9 h 32 min 30 s
